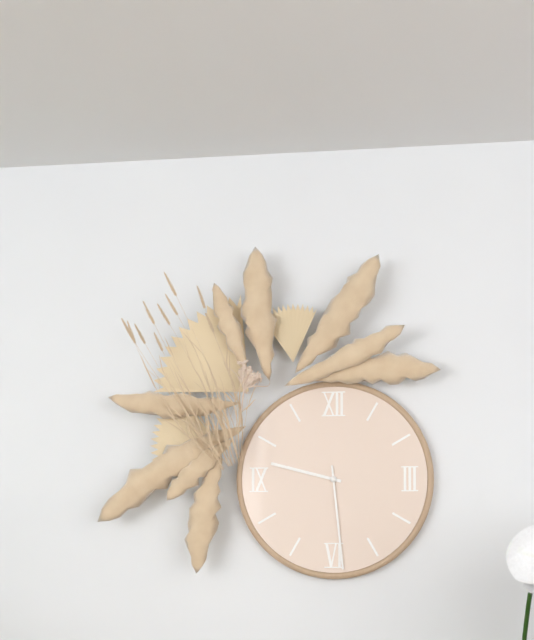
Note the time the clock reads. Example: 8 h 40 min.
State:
9 h 29 min
